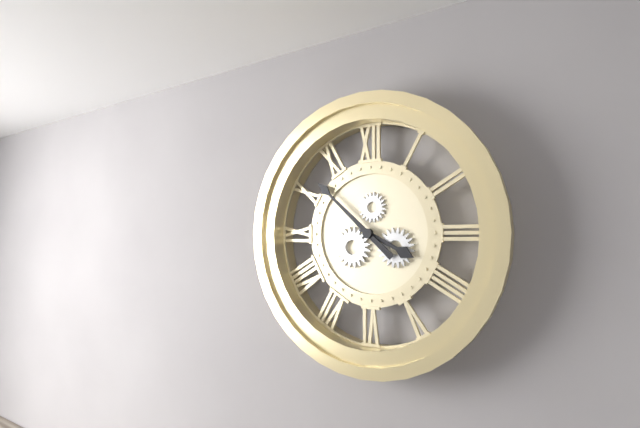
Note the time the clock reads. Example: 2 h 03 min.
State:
3 h 52 min
